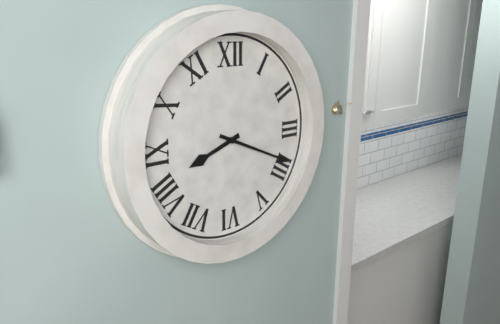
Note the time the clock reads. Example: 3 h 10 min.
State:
8 h 19 min
